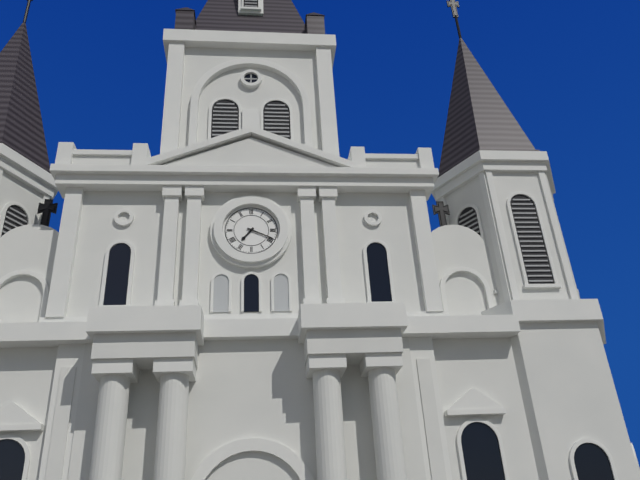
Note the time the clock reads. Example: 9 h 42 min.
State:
7 h 19 min
